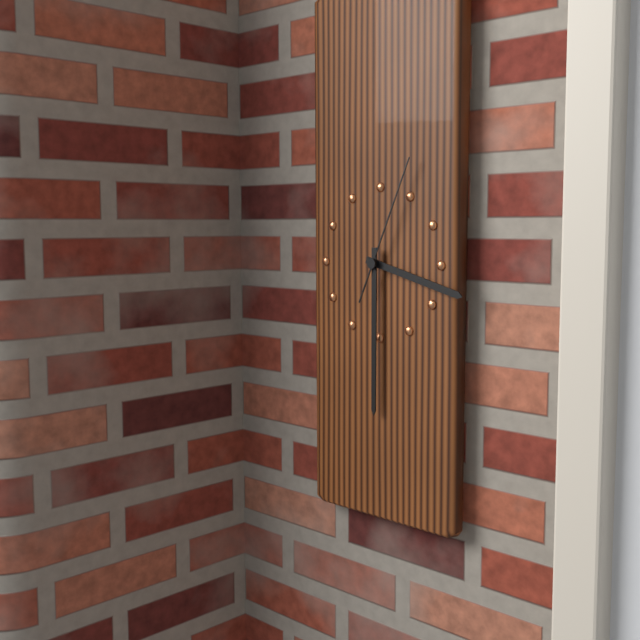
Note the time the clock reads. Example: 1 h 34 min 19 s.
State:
3 h 30 min 04 s
